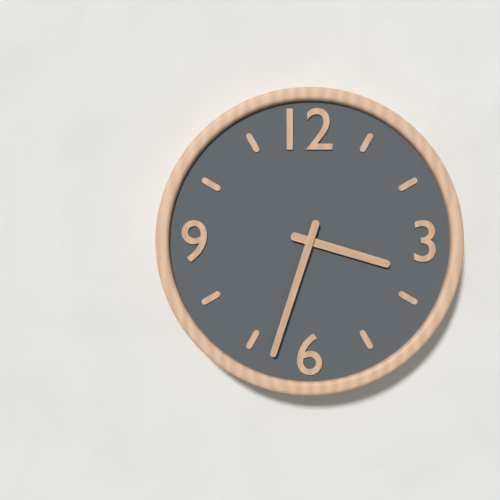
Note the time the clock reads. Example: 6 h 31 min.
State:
3 h 33 min
